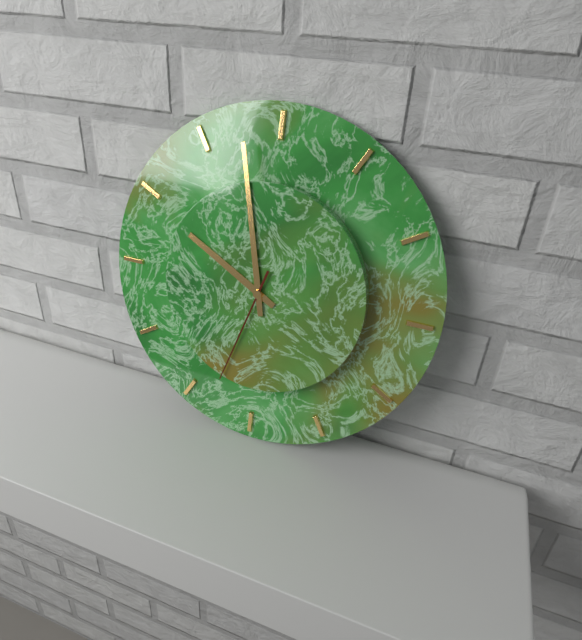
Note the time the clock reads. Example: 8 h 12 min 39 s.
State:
9 h 58 min 33 s
